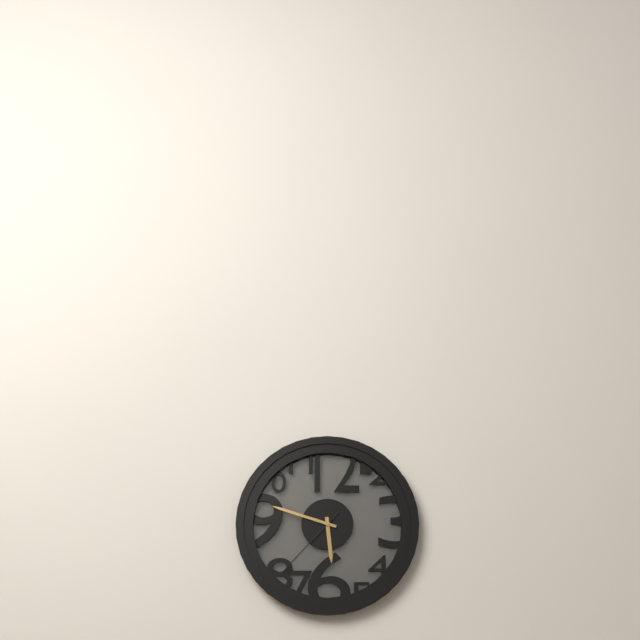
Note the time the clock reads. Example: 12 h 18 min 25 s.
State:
5 h 48 min 37 s
